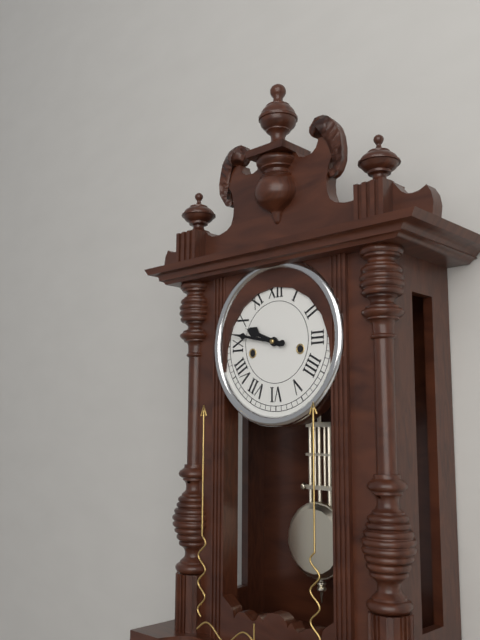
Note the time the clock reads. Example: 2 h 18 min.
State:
9 h 47 min
